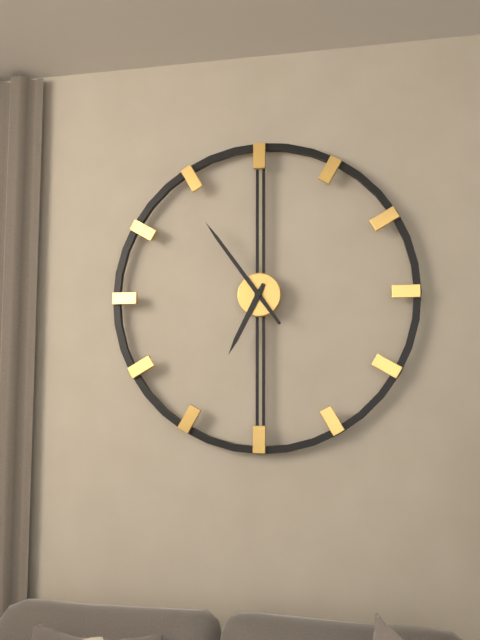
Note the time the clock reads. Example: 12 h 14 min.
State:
6 h 54 min
